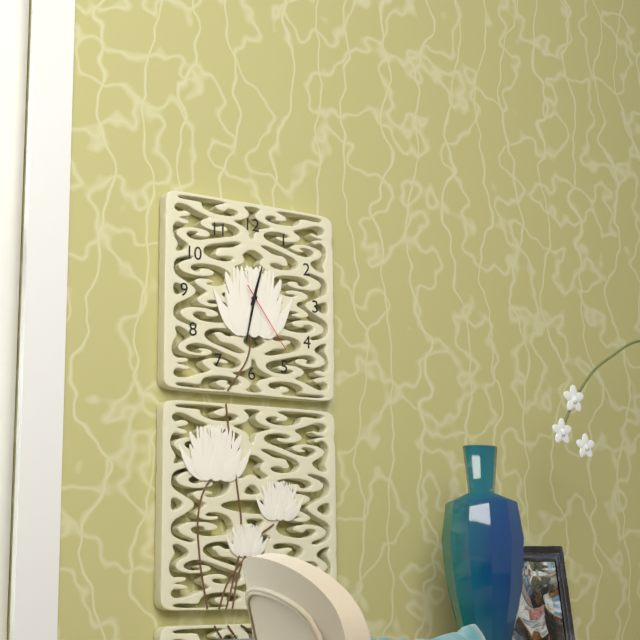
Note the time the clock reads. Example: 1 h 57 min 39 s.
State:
12 h 32 min 24 s
